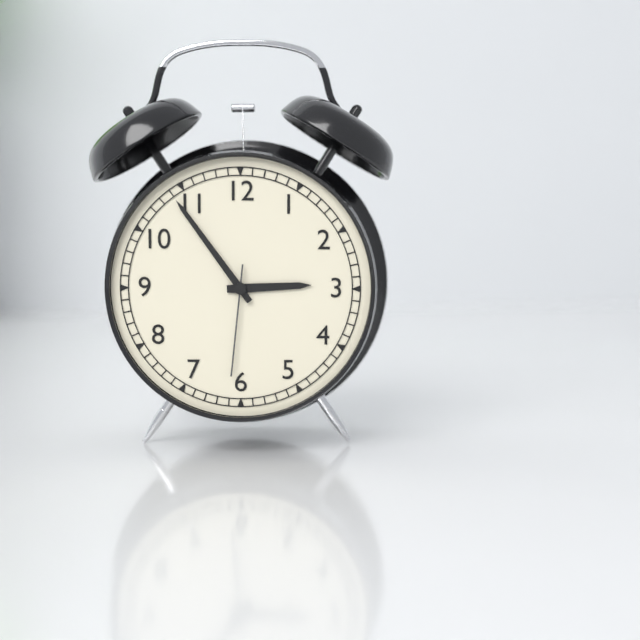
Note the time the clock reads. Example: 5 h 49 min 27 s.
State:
2 h 54 min 31 s
